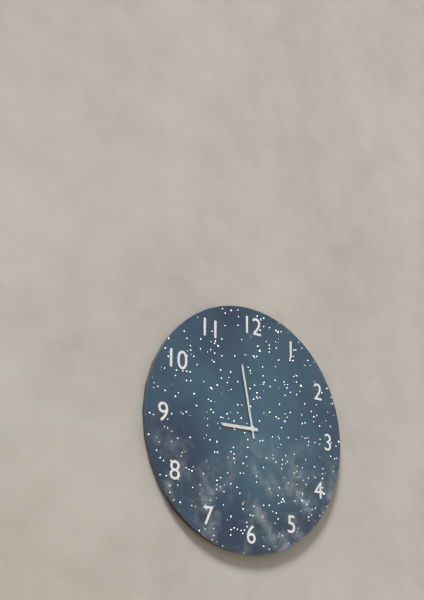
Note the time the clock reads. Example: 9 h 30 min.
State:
8 h 58 min
